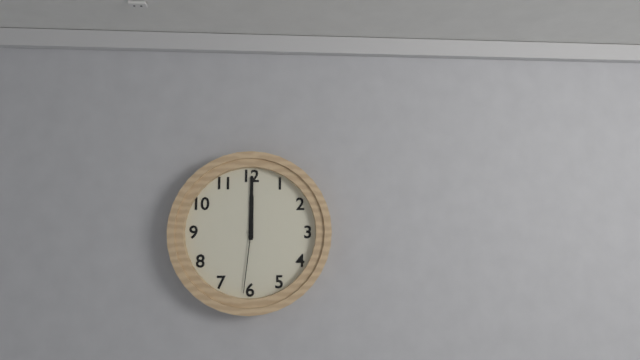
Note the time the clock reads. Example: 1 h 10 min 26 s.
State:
12 h 00 min 31 s
